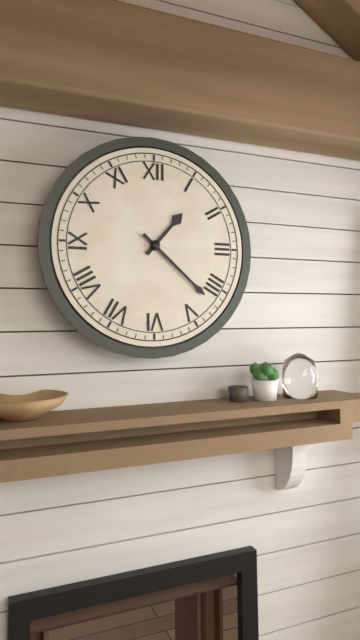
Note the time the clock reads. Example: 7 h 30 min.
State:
1 h 22 min
